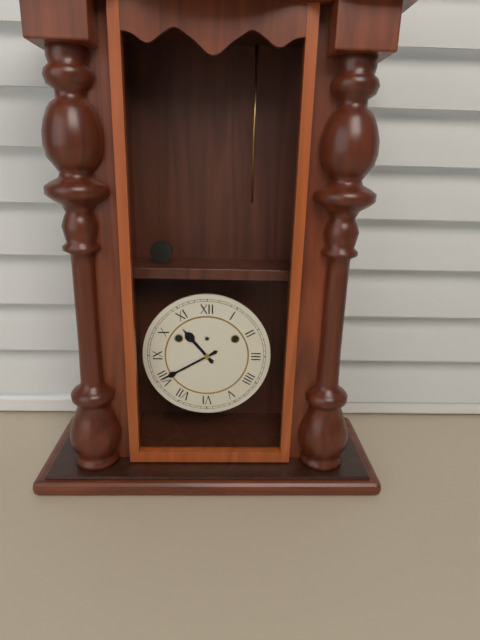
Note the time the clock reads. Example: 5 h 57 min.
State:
10 h 40 min
